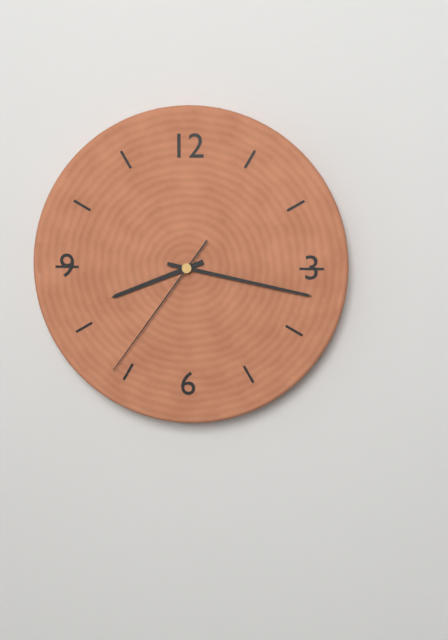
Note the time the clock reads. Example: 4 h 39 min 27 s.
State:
8 h 17 min 36 s
